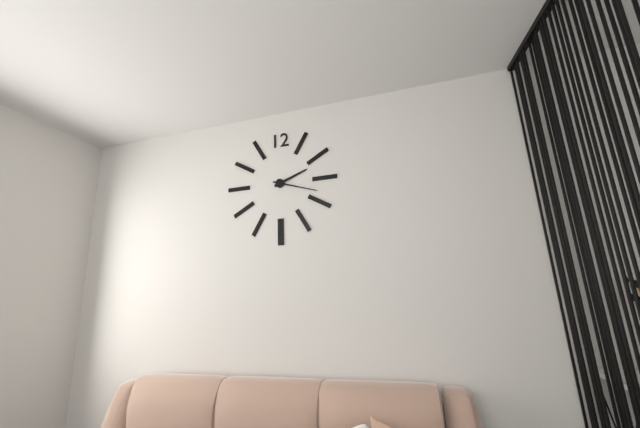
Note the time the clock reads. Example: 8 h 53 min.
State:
2 h 18 min
